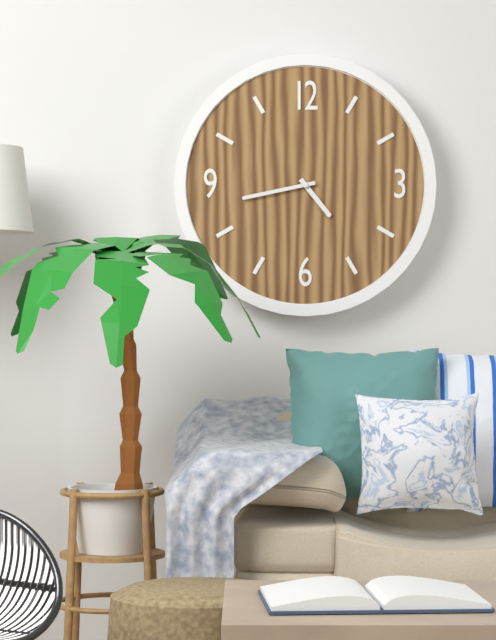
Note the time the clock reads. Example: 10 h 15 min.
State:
4 h 43 min
